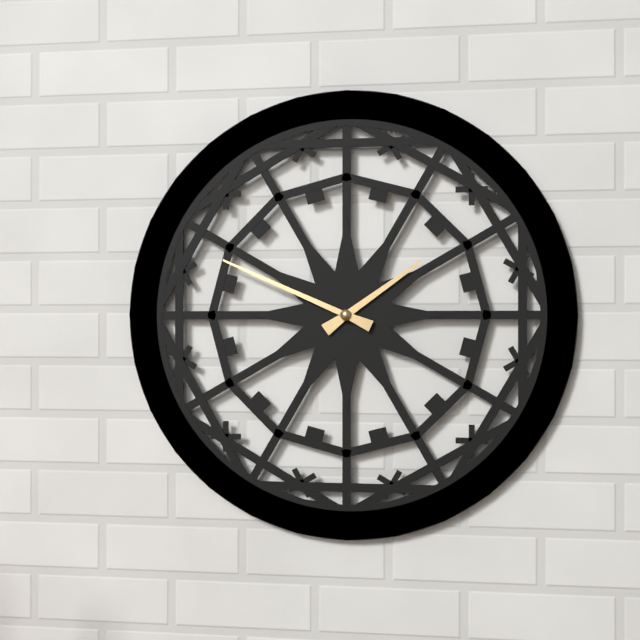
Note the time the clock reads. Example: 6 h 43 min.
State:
1 h 49 min
